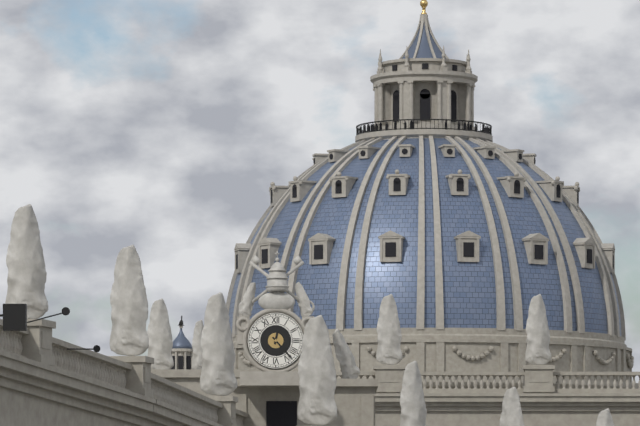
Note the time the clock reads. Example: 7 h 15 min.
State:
12 h 23 min
